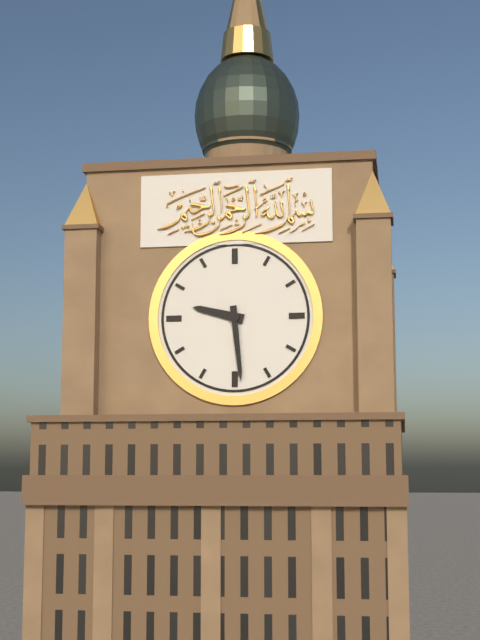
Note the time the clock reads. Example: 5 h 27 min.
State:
9 h 29 min
